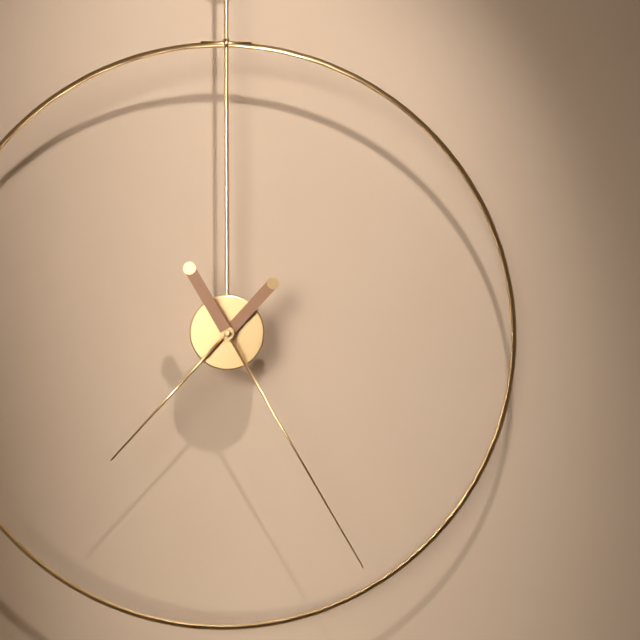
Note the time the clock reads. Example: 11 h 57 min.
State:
7 h 25 min
